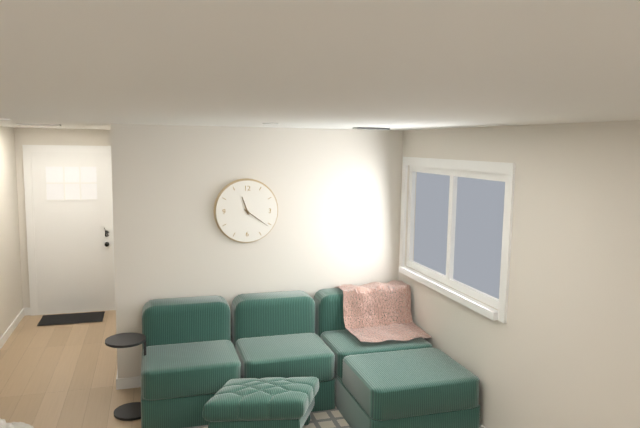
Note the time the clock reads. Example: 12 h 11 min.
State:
11 h 21 min
